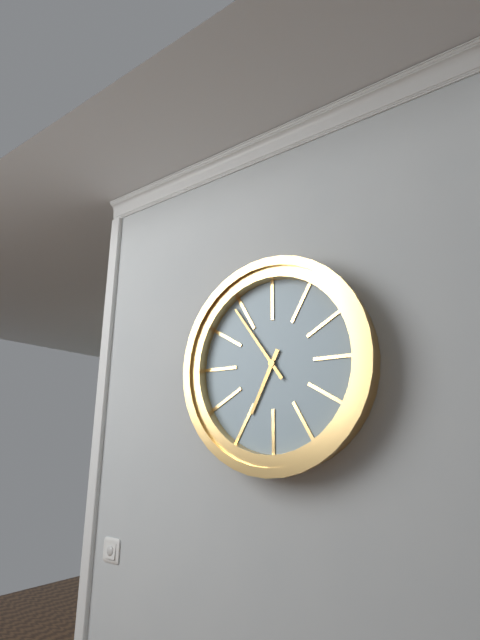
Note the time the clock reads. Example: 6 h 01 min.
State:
6 h 54 min
